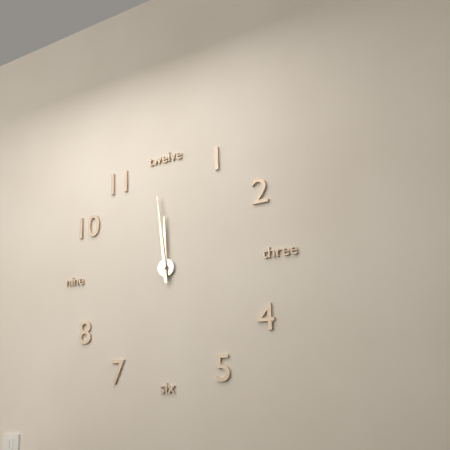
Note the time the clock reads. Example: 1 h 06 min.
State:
11 h 59 min
